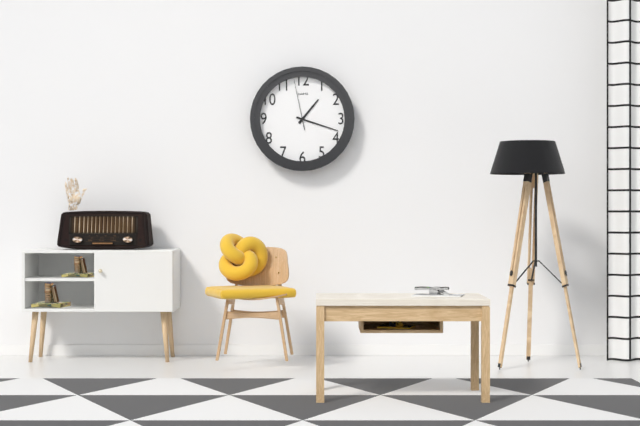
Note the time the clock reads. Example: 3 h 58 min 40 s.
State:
1 h 18 min 58 s
